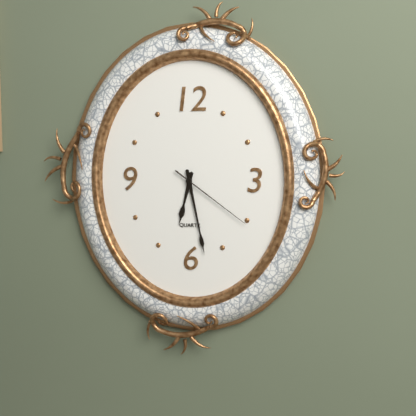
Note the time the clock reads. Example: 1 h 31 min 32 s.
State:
6 h 28 min 21 s
